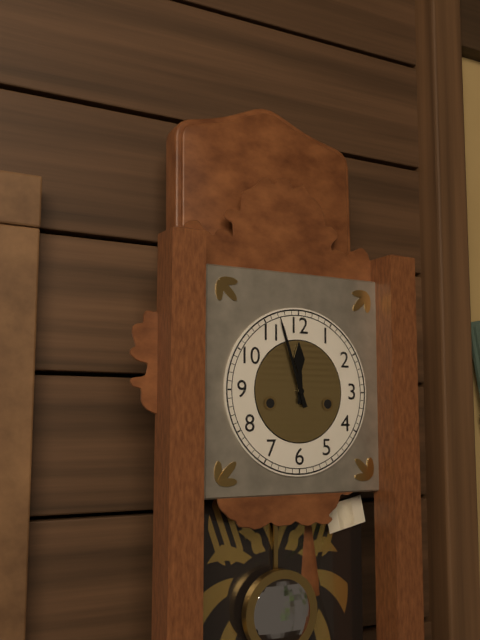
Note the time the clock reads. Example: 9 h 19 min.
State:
11 h 57 min
